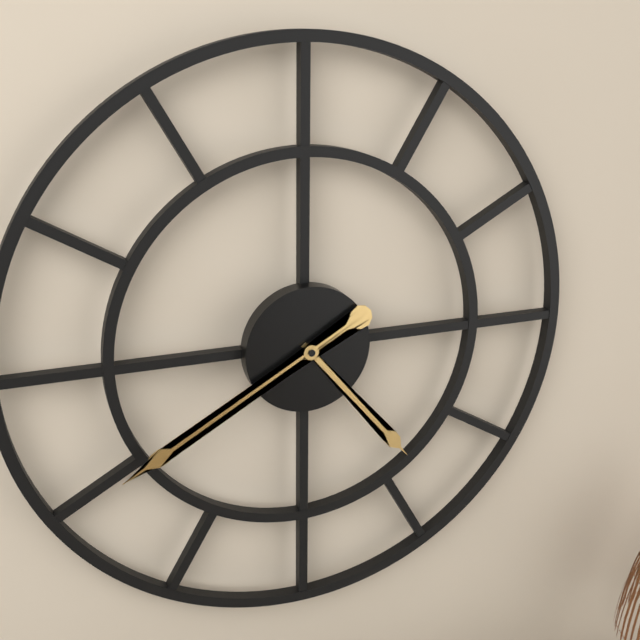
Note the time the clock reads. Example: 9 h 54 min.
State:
4 h 40 min
